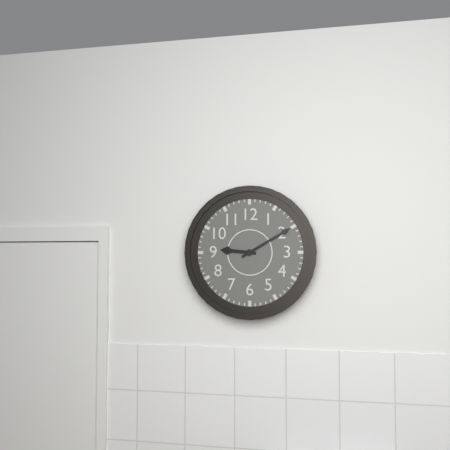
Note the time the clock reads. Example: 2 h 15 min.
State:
9 h 10 min
